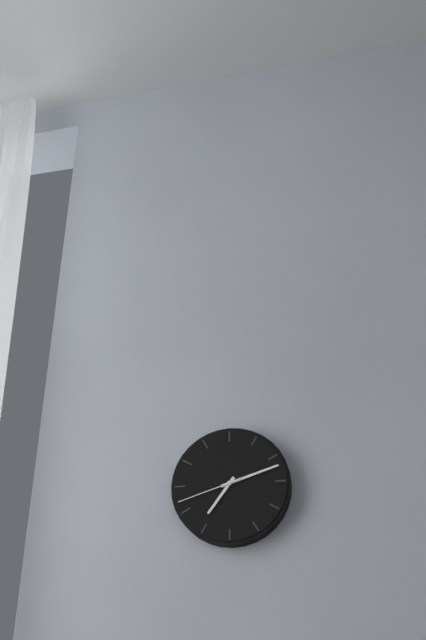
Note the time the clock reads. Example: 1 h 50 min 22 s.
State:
7 h 12 min 42 s
